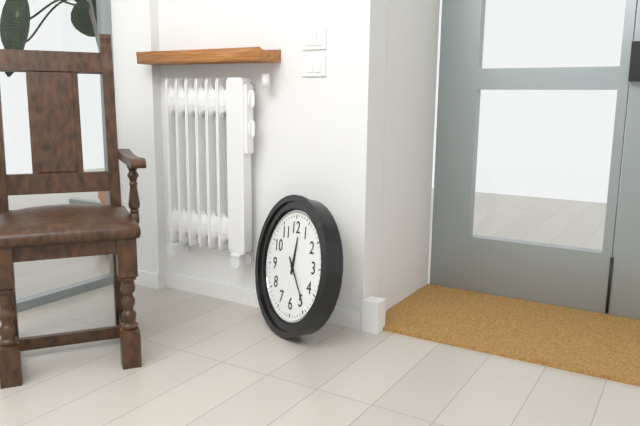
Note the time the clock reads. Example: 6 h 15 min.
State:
12 h 24 min
